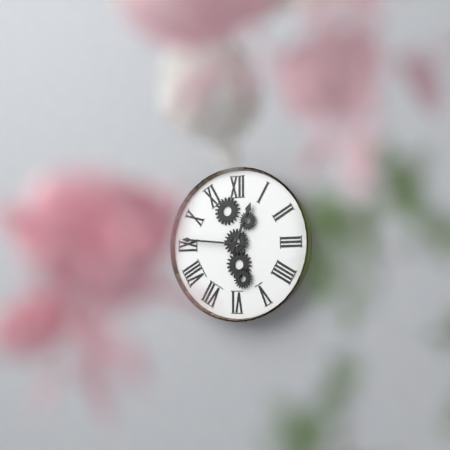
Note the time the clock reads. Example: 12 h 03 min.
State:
12 h 46 min
